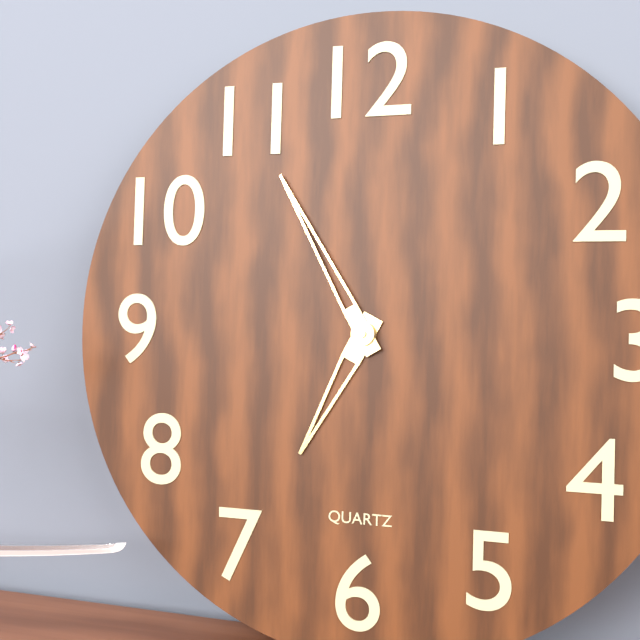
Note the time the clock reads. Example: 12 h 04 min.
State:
6 h 55 min
